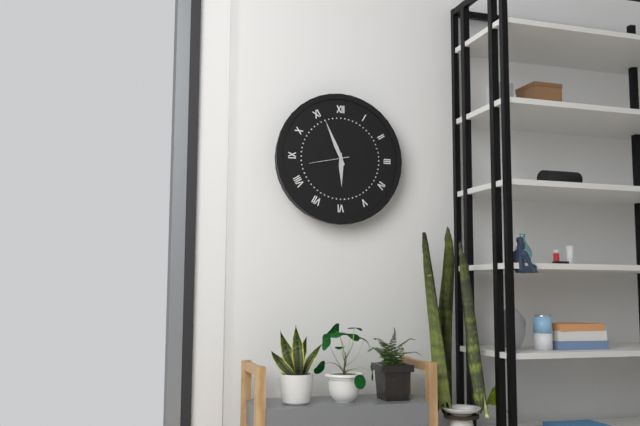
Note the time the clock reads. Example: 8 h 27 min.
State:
5 h 56 min
